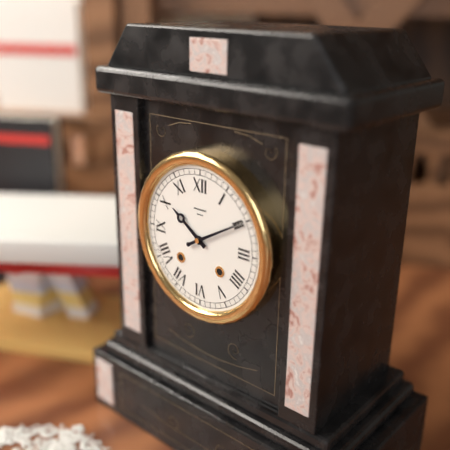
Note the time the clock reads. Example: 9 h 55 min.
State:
10 h 10 min
